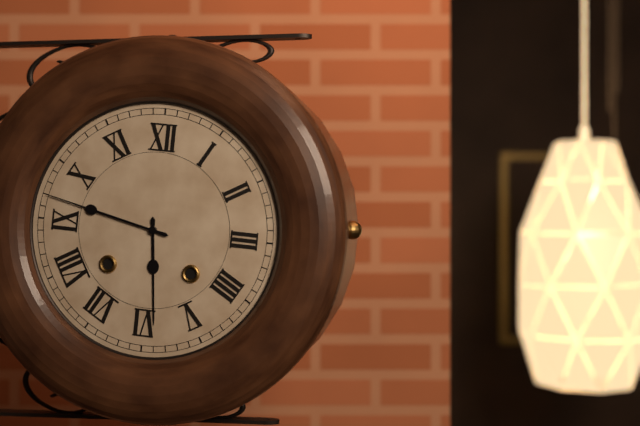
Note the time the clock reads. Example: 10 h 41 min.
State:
5 h 47 min
